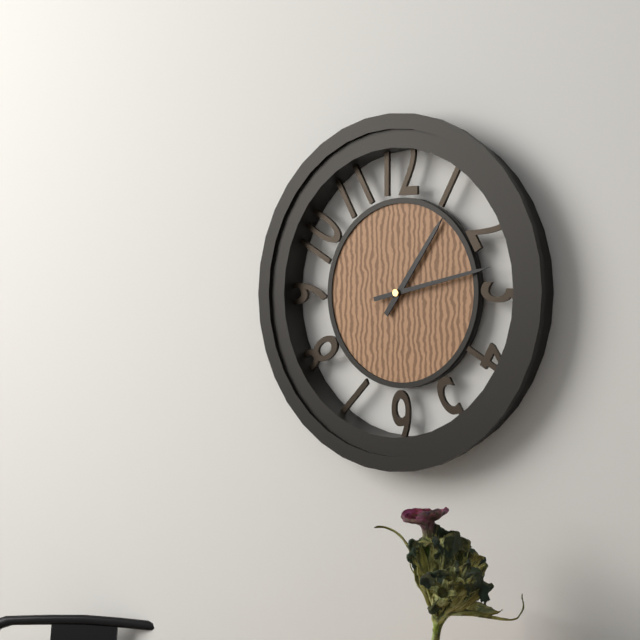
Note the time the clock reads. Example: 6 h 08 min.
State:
1 h 13 min
